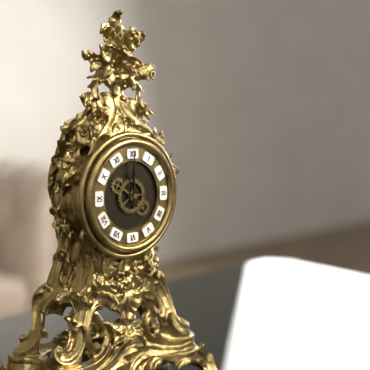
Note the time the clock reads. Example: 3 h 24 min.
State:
12 h 00 min
